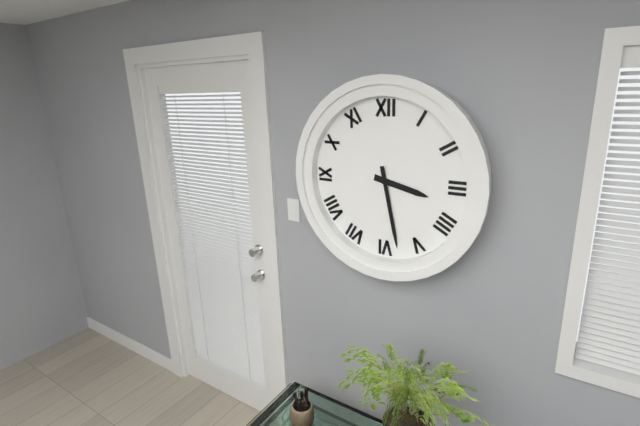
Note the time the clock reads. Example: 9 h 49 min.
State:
3 h 28 min
